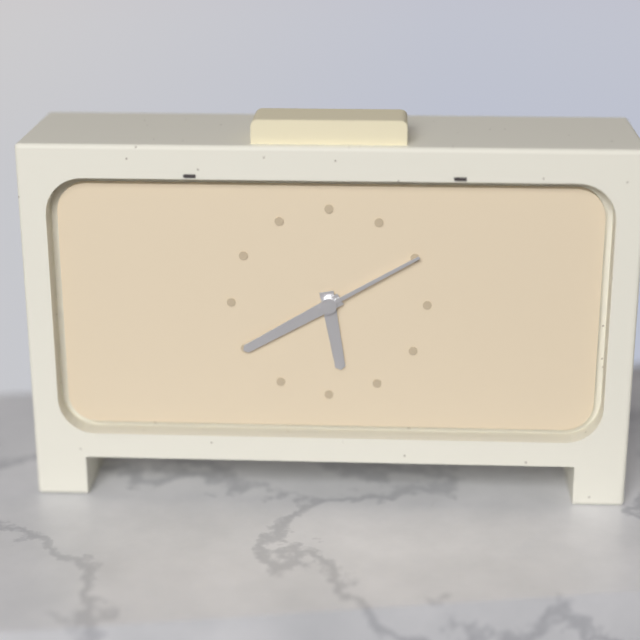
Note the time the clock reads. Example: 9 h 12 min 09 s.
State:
5 h 40 min 10 s
